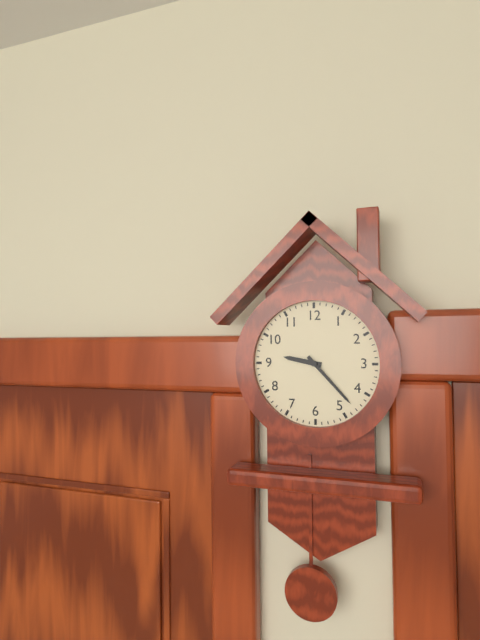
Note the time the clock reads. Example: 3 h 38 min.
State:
9 h 23 min
